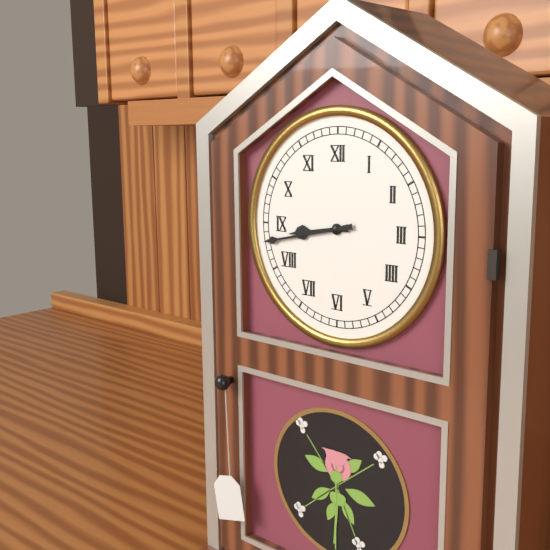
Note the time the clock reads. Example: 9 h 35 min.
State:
8 h 43 min
